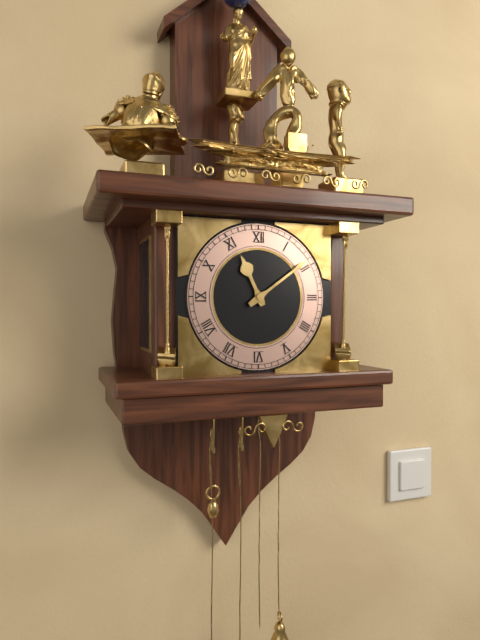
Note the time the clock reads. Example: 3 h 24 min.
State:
11 h 09 min
